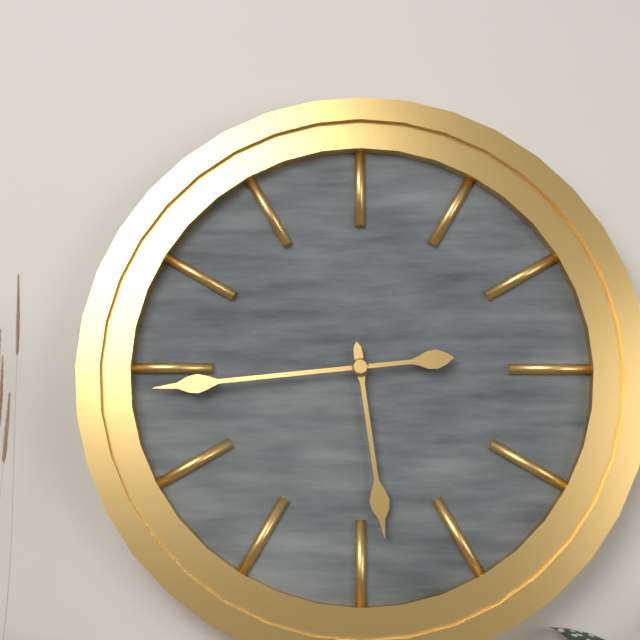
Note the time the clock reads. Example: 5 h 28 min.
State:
5 h 44 min
